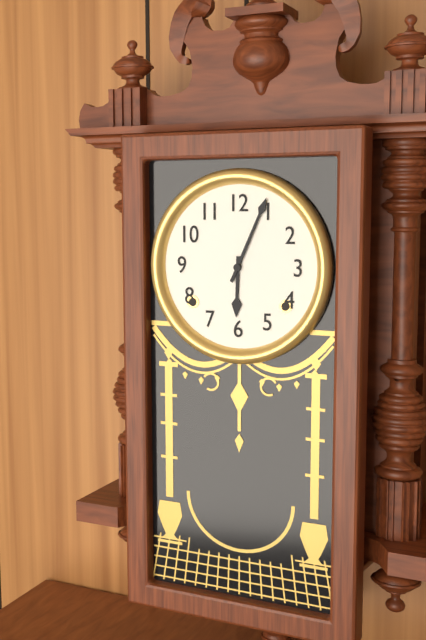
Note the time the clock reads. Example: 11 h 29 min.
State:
6 h 04 min
